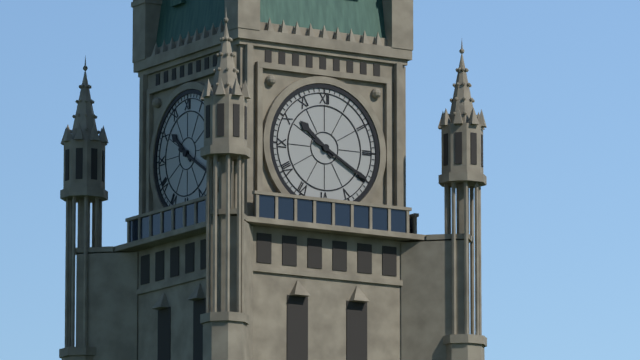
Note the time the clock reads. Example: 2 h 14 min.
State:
10 h 20 min
